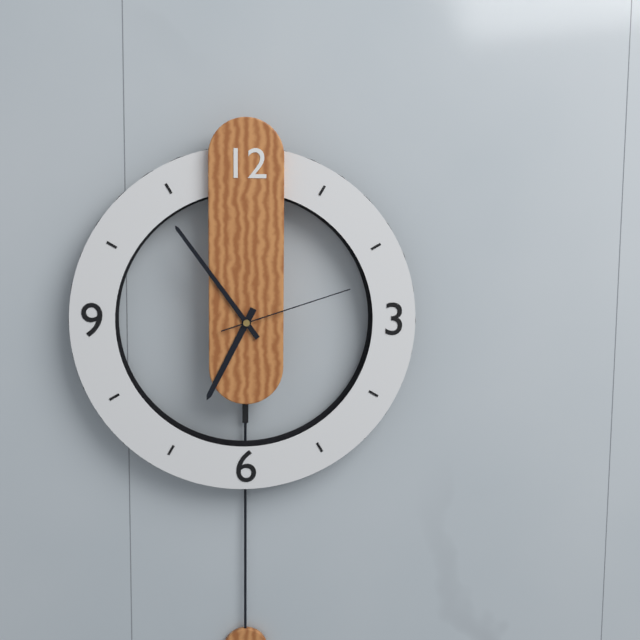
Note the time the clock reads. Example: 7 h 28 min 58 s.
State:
6 h 54 min 12 s
